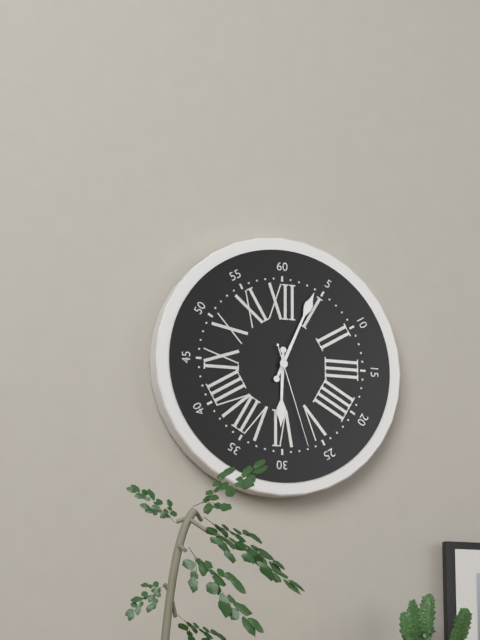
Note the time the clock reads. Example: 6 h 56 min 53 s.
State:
6 h 04 min 27 s
